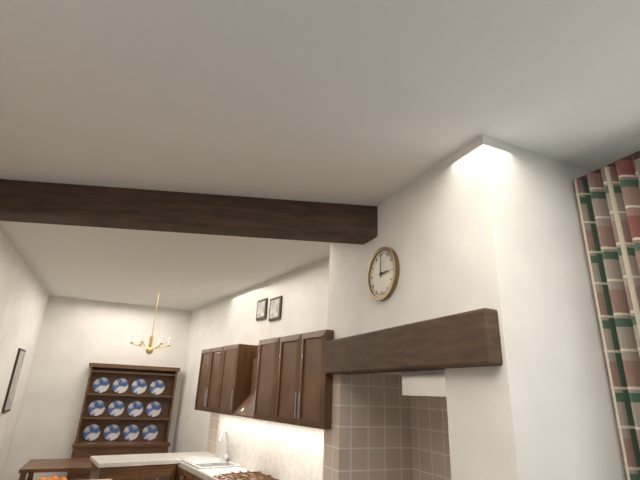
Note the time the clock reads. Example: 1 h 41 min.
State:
3 h 00 min
